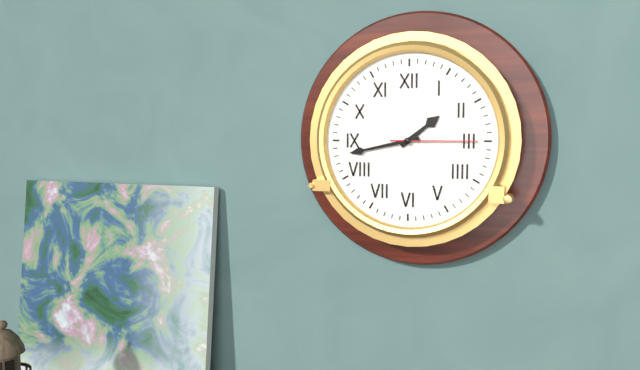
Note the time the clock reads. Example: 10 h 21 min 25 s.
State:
1 h 43 min 15 s
